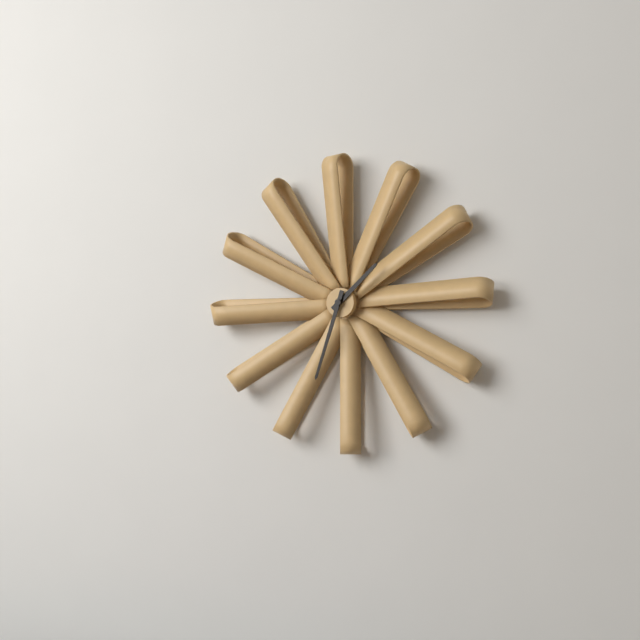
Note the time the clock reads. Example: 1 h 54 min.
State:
1 h 33 min
